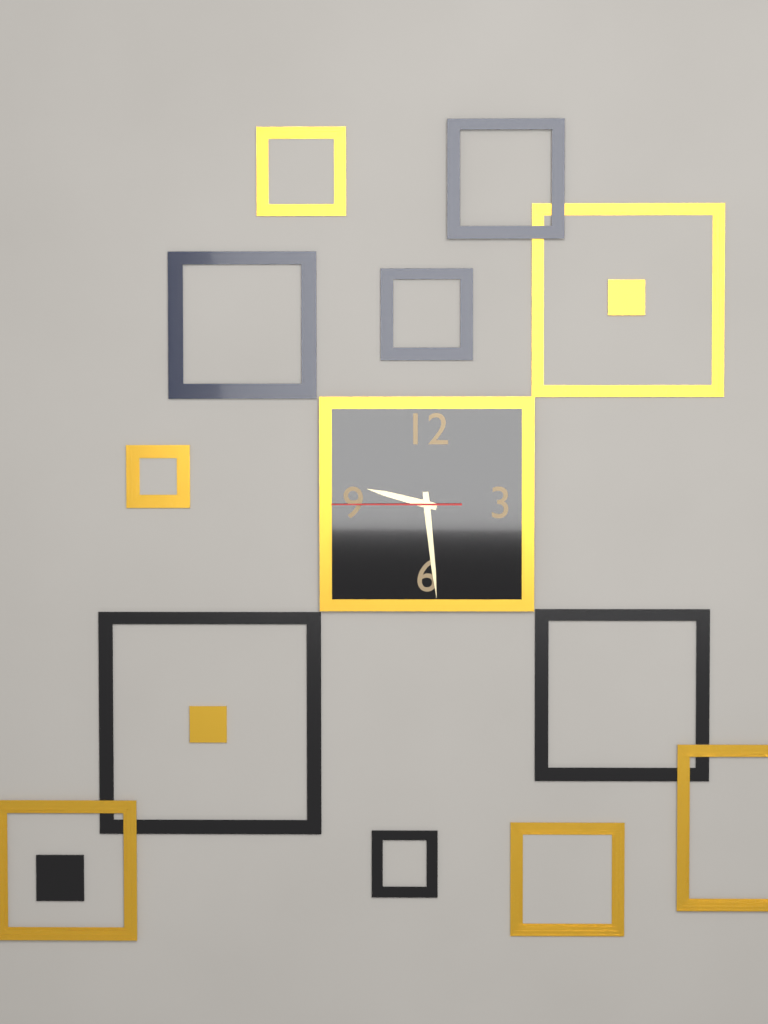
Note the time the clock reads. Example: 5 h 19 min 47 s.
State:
9 h 29 min 45 s
